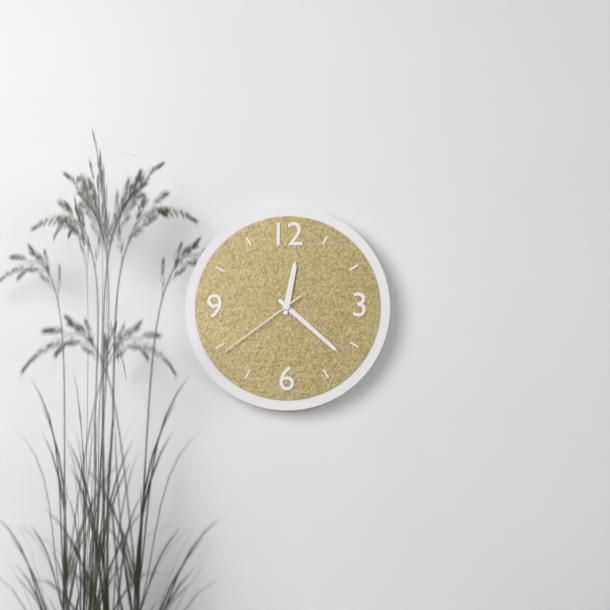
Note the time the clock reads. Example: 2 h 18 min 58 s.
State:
12 h 22 min 39 s
